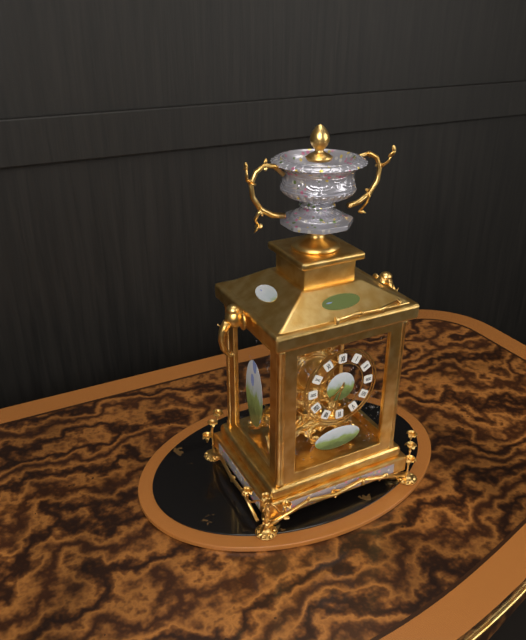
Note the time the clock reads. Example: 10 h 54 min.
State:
7 h 33 min
